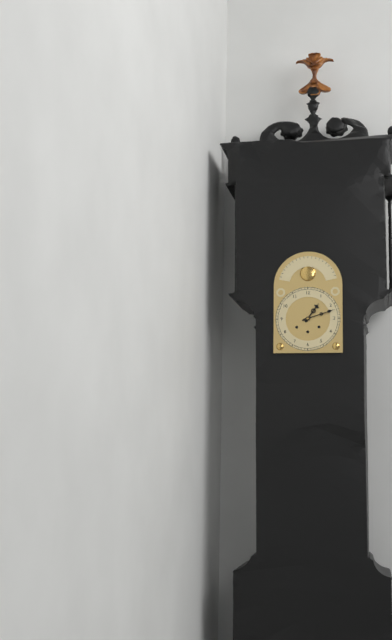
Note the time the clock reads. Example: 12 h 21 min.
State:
1 h 12 min
